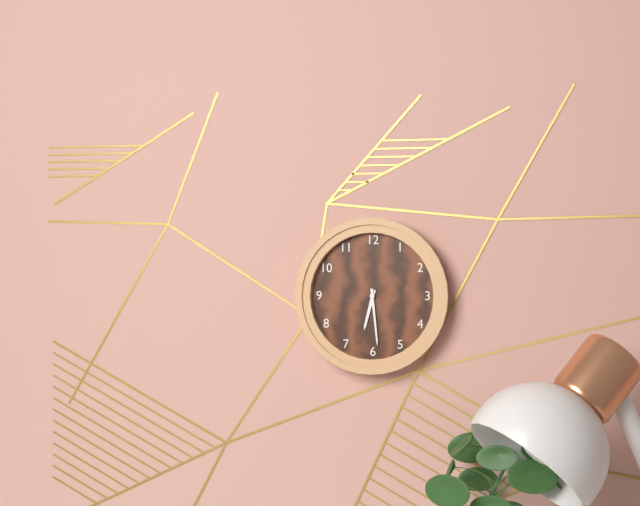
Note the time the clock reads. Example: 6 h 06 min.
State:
6 h 29 min
